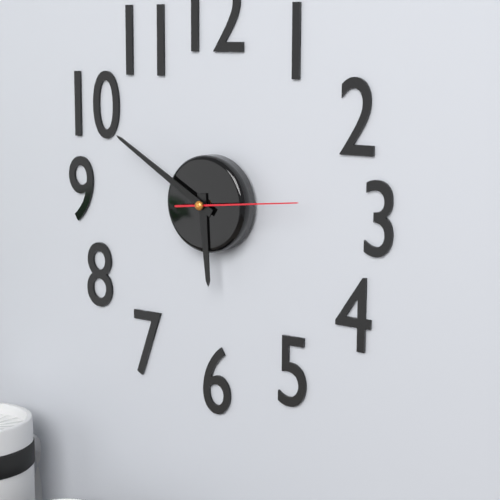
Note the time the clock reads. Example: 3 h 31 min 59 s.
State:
5 h 50 min 14 s
